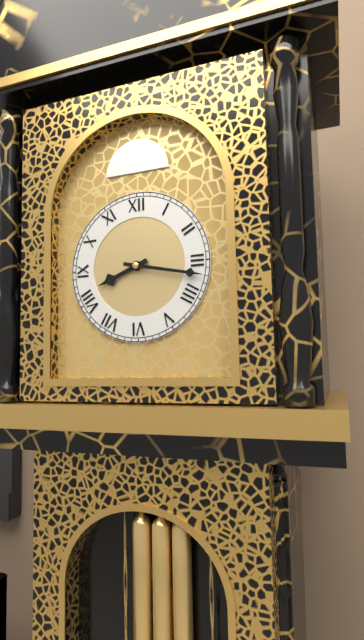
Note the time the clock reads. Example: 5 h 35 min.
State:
8 h 17 min
